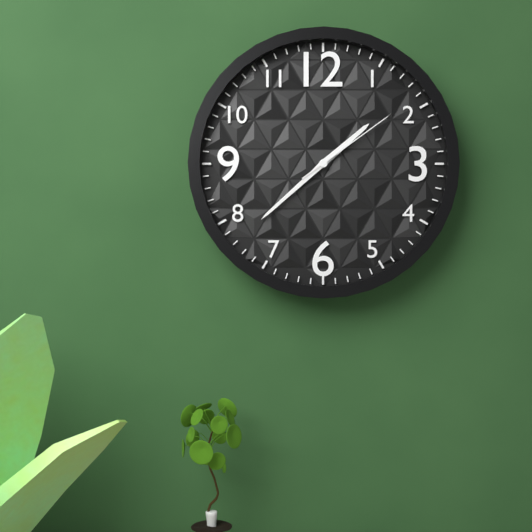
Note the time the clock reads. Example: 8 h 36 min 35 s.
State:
1 h 38 min 09 s
